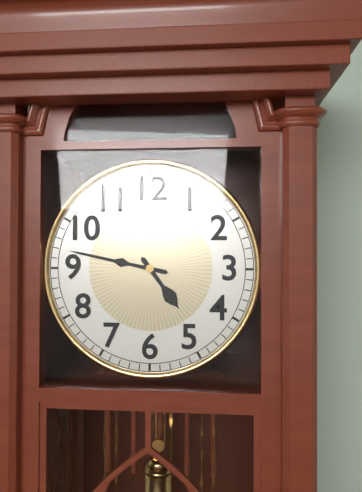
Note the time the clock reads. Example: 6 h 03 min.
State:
4 h 47 min
